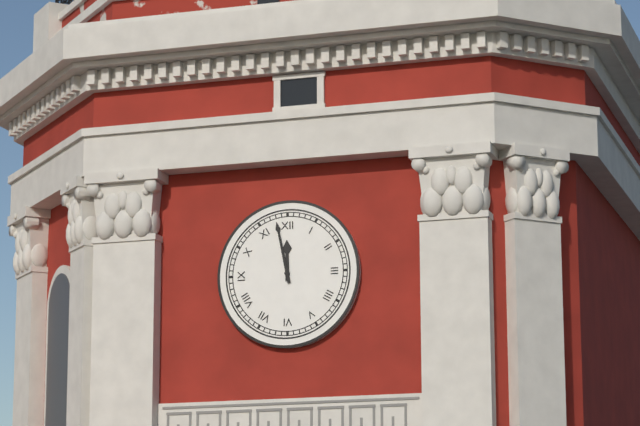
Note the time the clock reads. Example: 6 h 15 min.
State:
11 h 58 min
